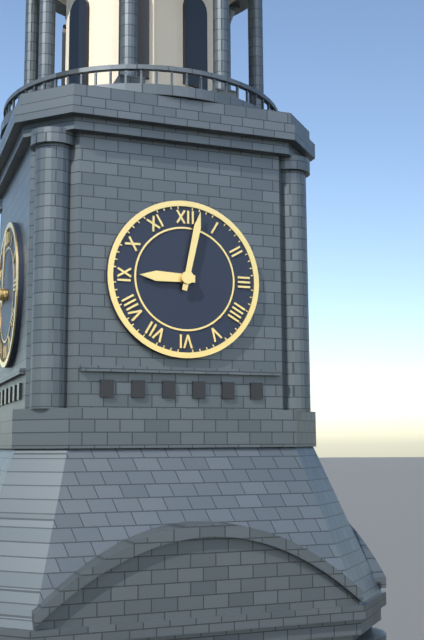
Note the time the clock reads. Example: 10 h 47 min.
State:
9 h 02 min
